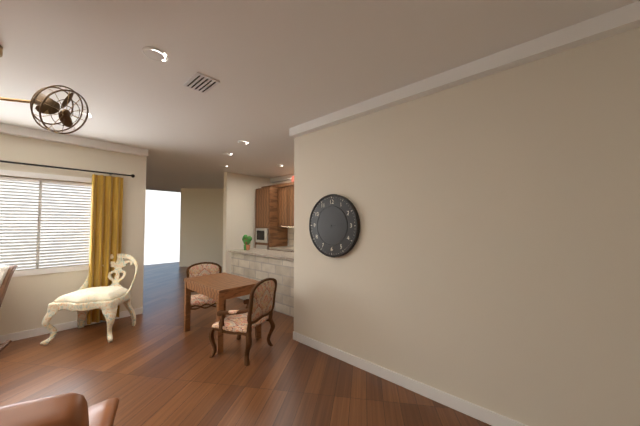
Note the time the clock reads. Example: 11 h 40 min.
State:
2 h 45 min
